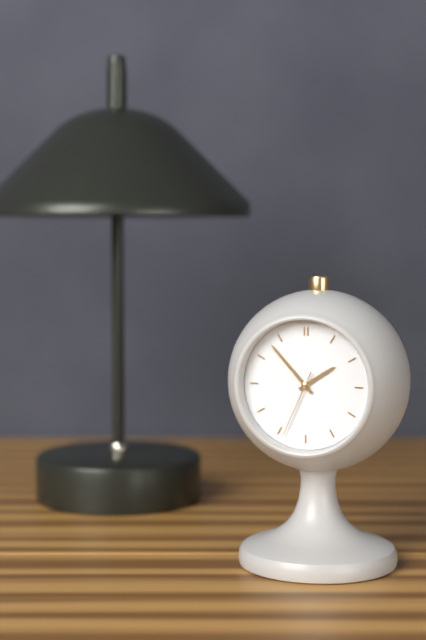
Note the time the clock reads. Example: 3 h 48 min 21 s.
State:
1 h 53 min 34 s
